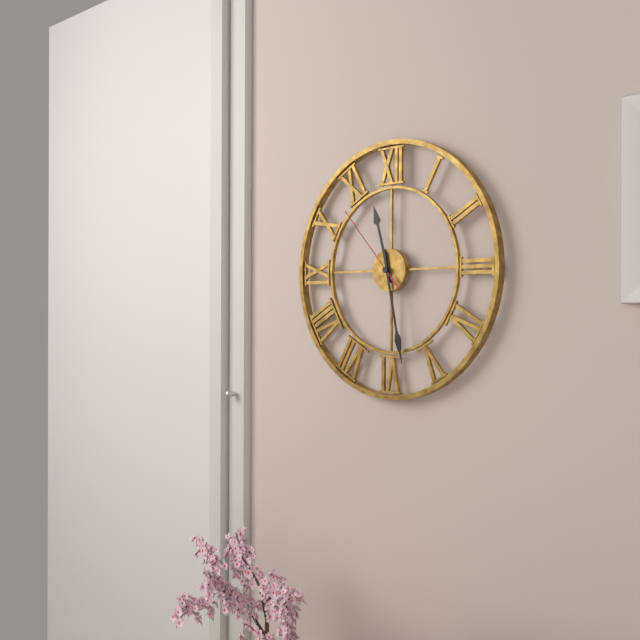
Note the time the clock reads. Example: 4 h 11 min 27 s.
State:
11 h 28 min 53 s
